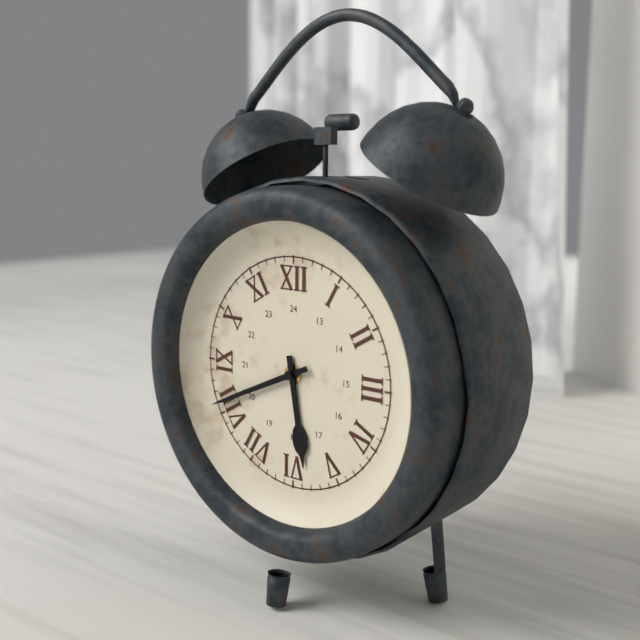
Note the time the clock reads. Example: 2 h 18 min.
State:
5 h 41 min
